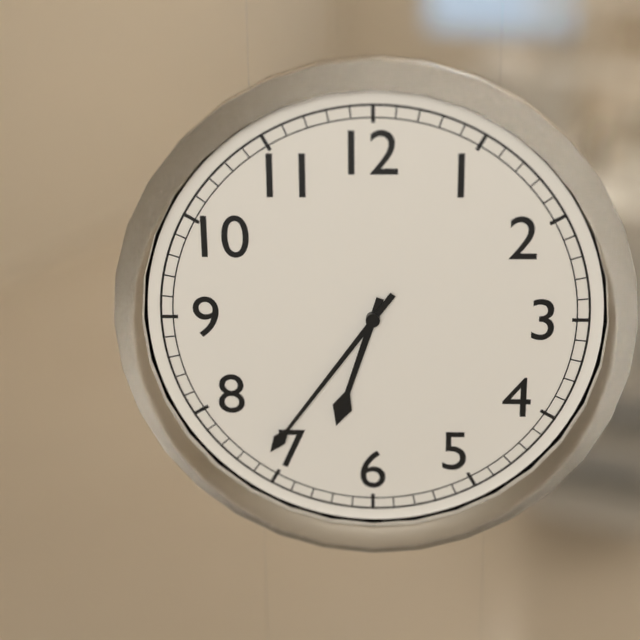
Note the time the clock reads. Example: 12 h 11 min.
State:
6 h 36 min
